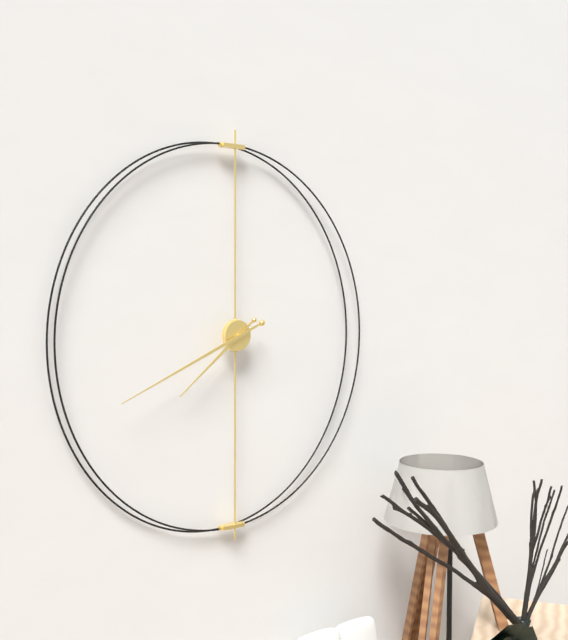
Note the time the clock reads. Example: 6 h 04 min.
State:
7 h 41 min
